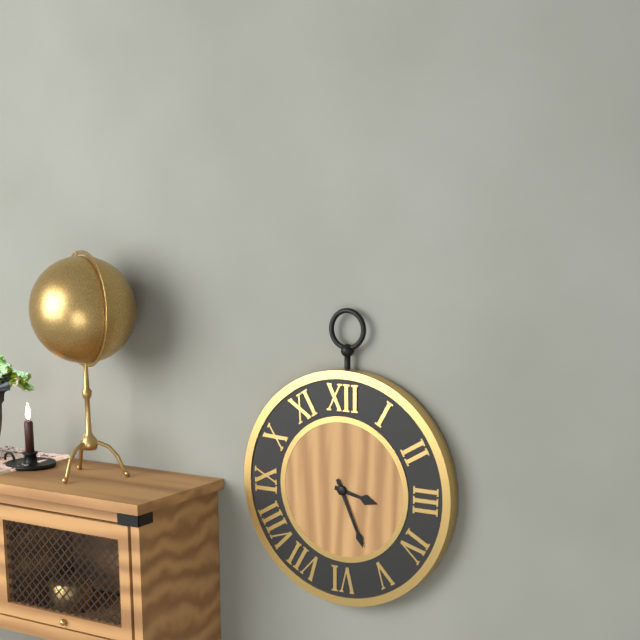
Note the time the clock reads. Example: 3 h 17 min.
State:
3 h 26 min
